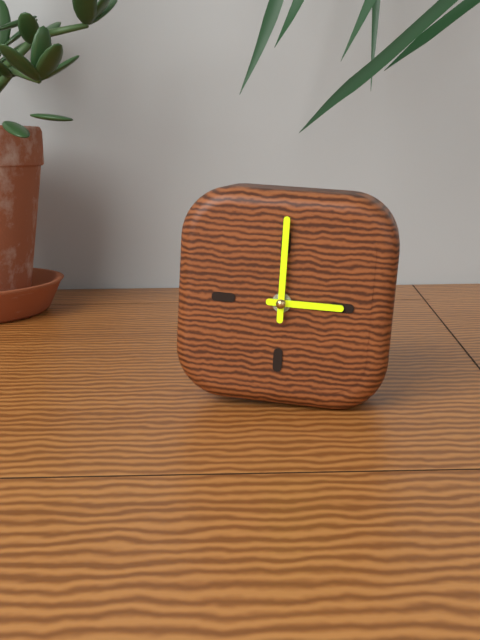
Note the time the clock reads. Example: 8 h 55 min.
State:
3 h 00 min
